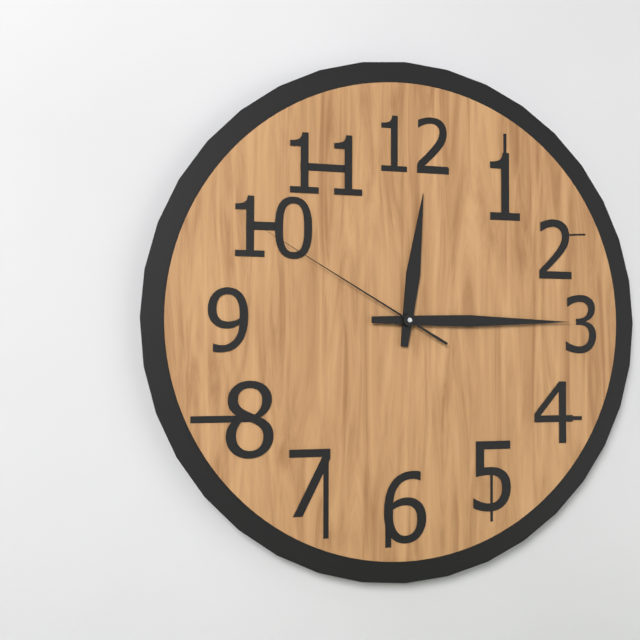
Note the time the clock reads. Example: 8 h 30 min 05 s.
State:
12 h 15 min 50 s
